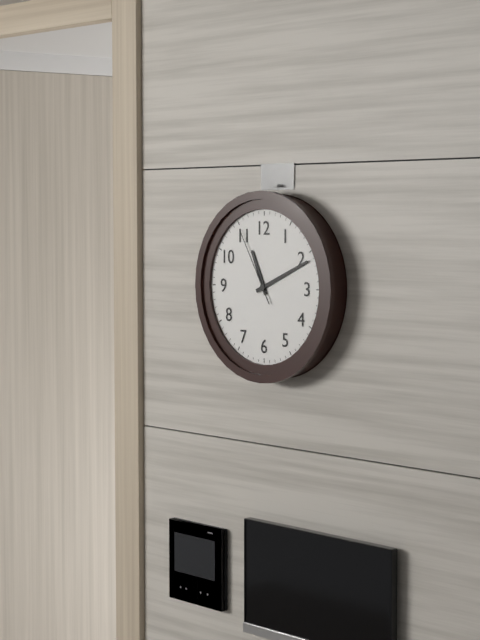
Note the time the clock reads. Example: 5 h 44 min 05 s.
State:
11 h 11 min 55 s
